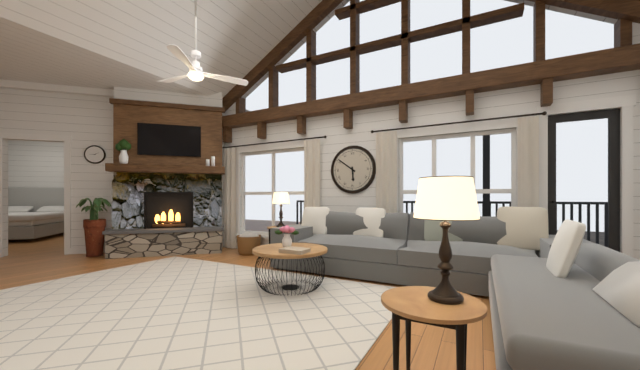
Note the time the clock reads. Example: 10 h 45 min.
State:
5 h 51 min
